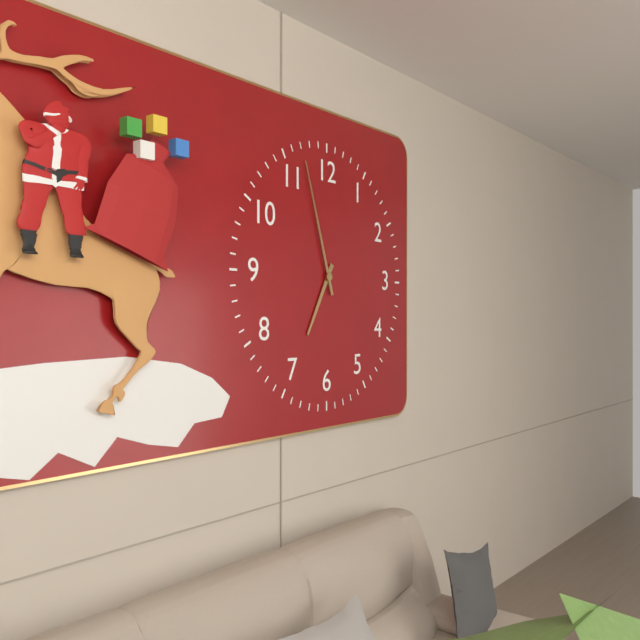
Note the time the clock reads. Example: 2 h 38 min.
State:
6 h 57 min
